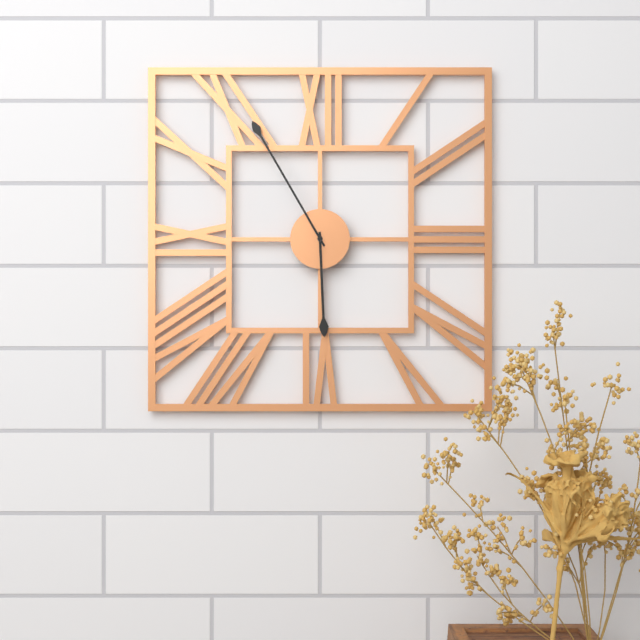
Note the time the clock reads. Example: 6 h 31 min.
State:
5 h 55 min
